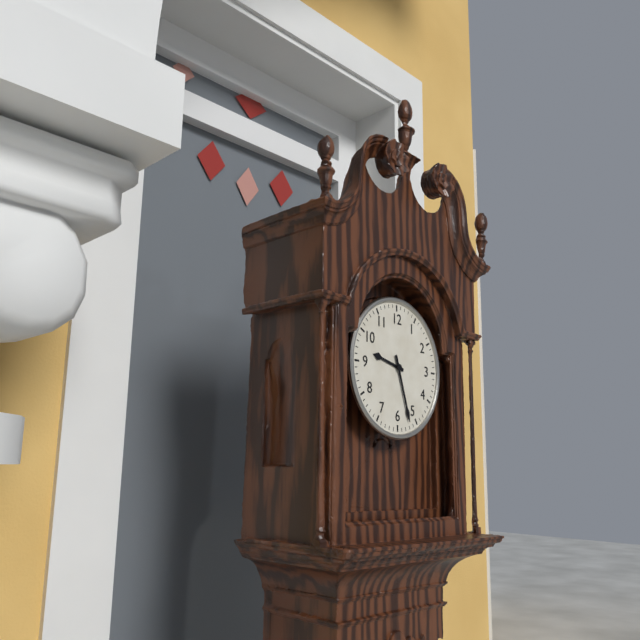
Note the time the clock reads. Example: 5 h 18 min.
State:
9 h 27 min
